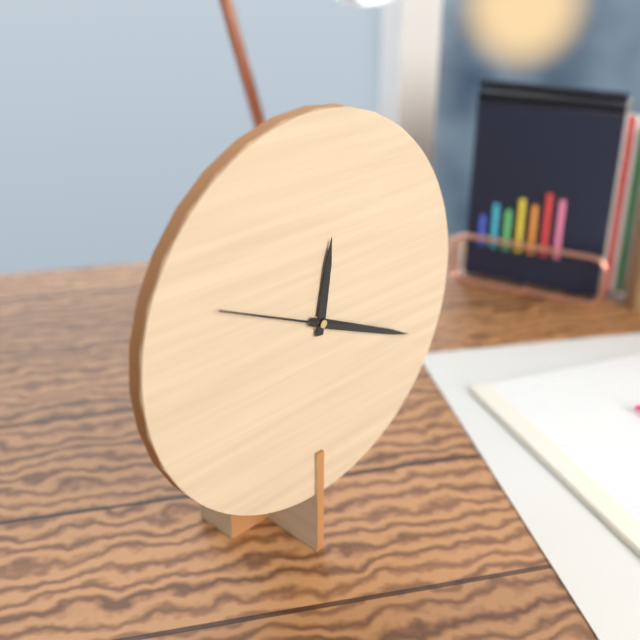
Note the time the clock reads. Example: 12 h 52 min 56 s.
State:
12 h 19 min 49 s
